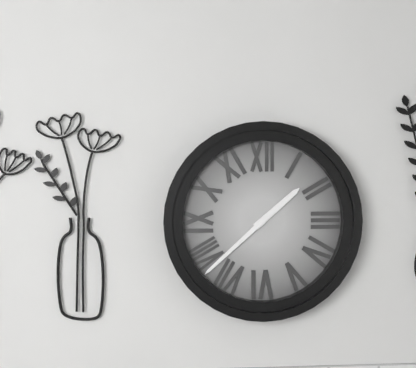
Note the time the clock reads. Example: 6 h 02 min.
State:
1 h 38 min
